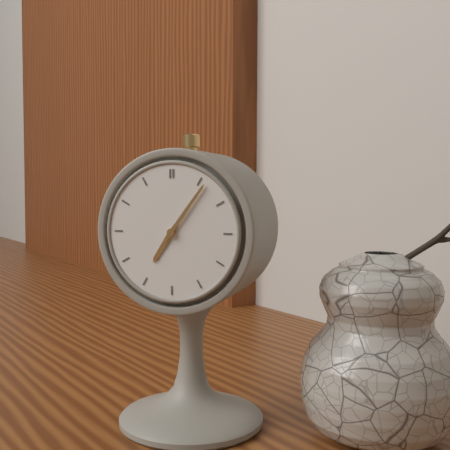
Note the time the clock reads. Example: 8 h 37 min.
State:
7 h 06 min
